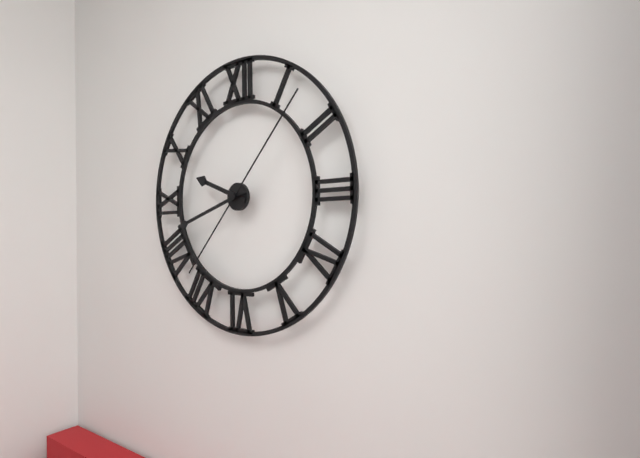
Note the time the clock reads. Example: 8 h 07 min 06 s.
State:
9 h 42 min 07 s
